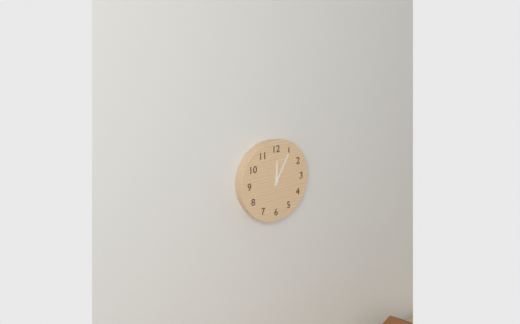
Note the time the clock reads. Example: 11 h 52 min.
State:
12 h 05 min
